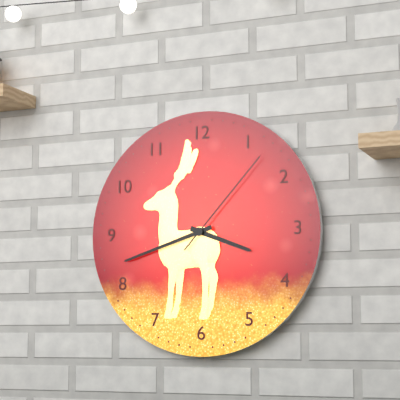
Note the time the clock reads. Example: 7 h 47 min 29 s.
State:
3 h 42 min 07 s
